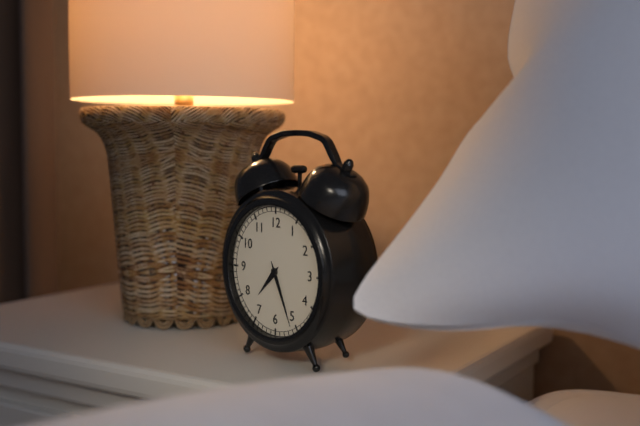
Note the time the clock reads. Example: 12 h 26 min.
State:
7 h 26 min
